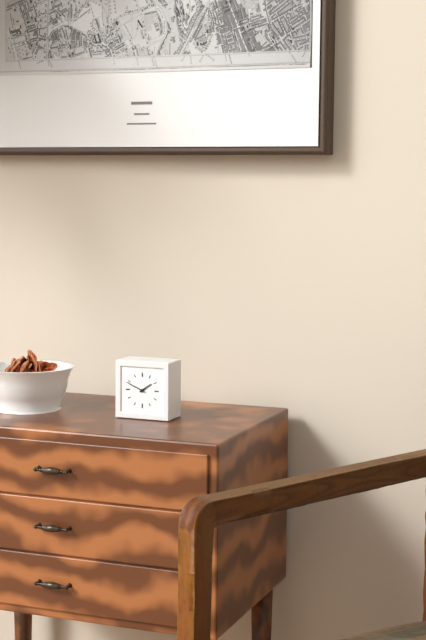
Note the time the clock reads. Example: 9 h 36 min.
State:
1 h 49 min
